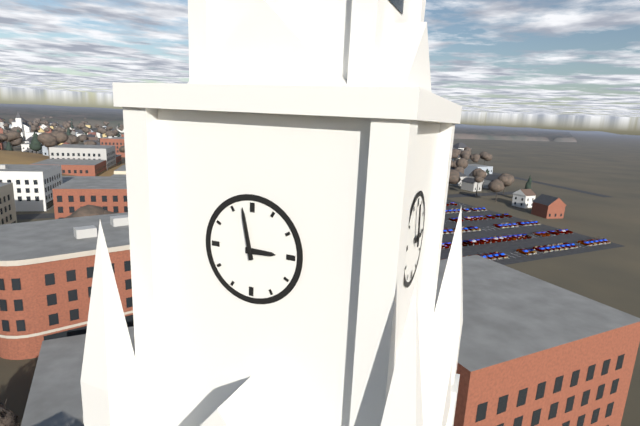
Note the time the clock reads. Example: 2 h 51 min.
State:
2 h 58 min
